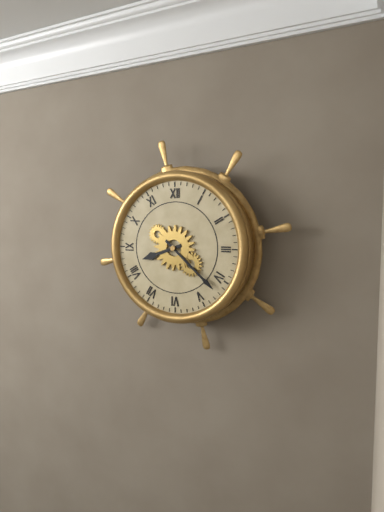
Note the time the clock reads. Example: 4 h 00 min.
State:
8 h 22 min
